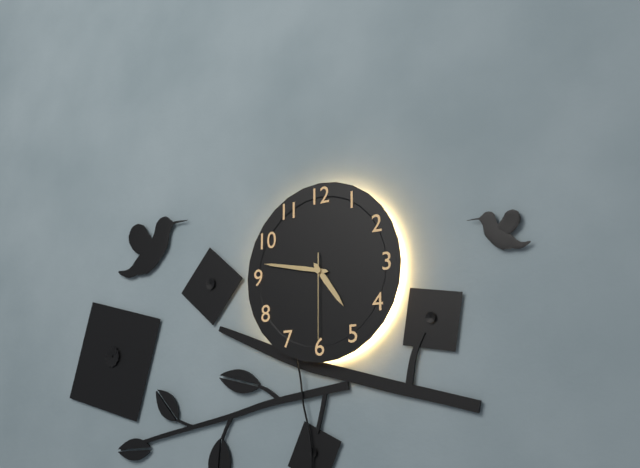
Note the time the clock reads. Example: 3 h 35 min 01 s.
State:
4 h 47 min 30 s
